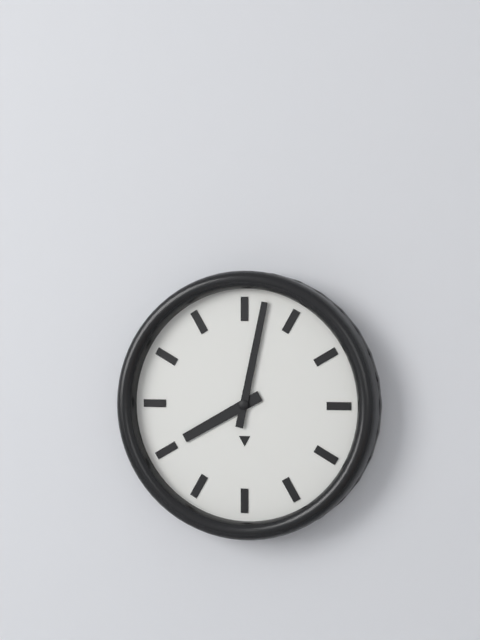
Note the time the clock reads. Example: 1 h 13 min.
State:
8 h 02 min
